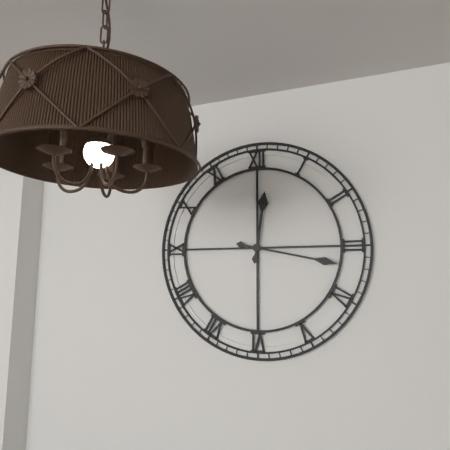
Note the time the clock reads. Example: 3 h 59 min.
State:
12 h 17 min
